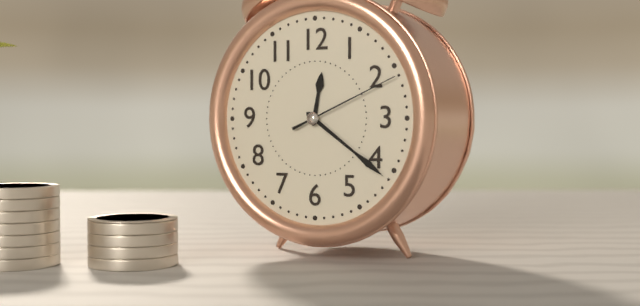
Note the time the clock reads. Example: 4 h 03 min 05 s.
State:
12 h 21 min 11 s
